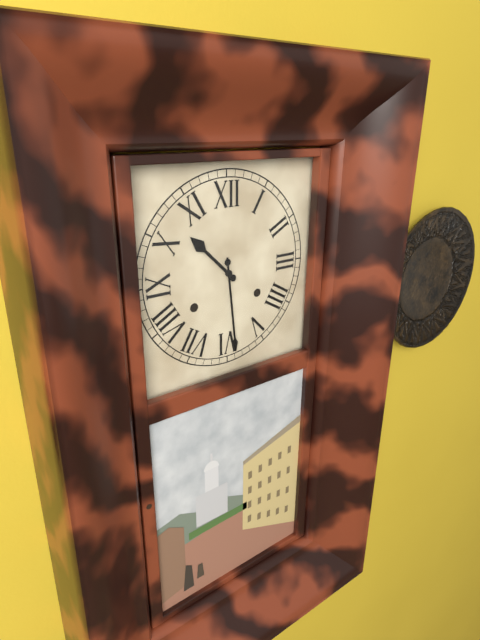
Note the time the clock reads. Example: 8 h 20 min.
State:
10 h 29 min
